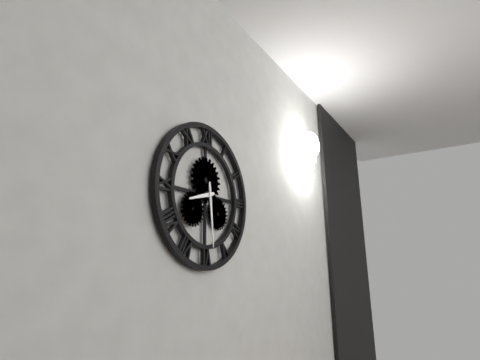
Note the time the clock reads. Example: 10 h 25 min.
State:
8 h 29 min
